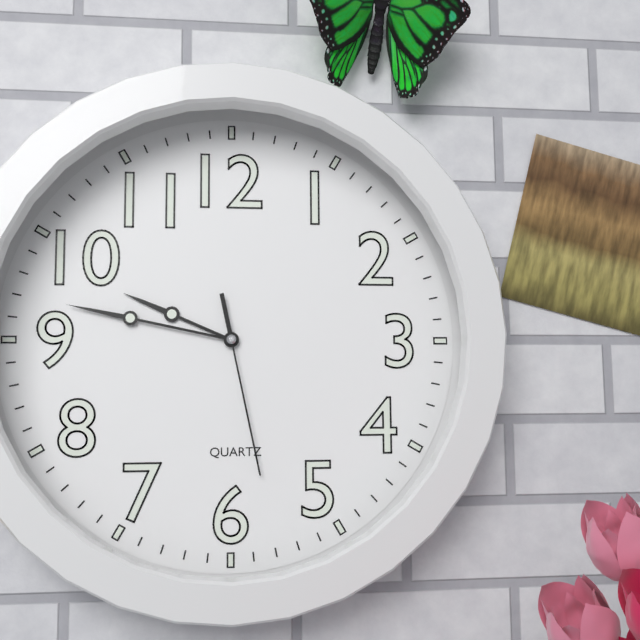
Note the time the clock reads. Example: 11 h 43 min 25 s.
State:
9 h 47 min 28 s
